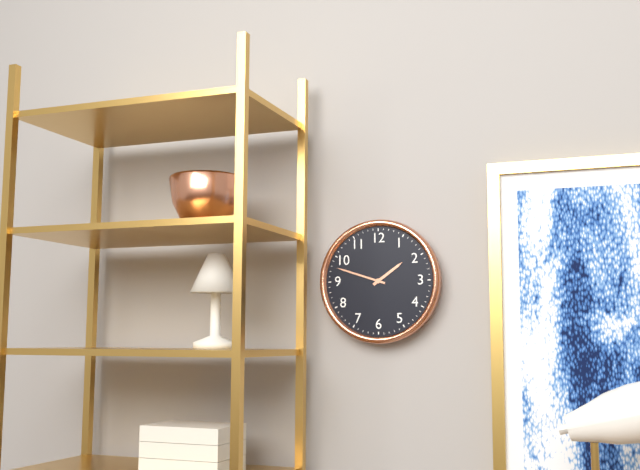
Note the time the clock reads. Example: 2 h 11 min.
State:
1 h 48 min
